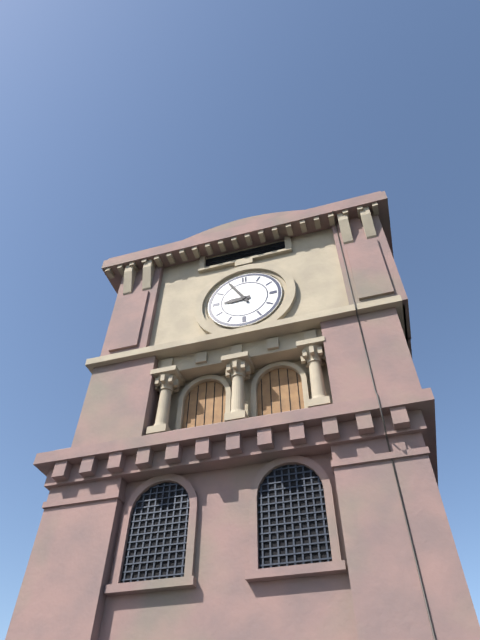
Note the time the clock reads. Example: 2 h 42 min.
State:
8 h 55 min
